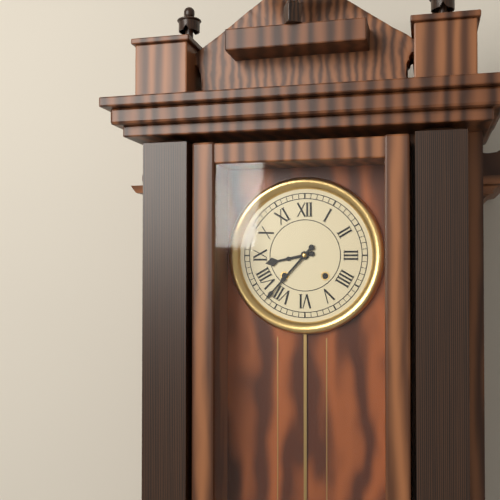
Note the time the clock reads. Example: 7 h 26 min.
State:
8 h 37 min
